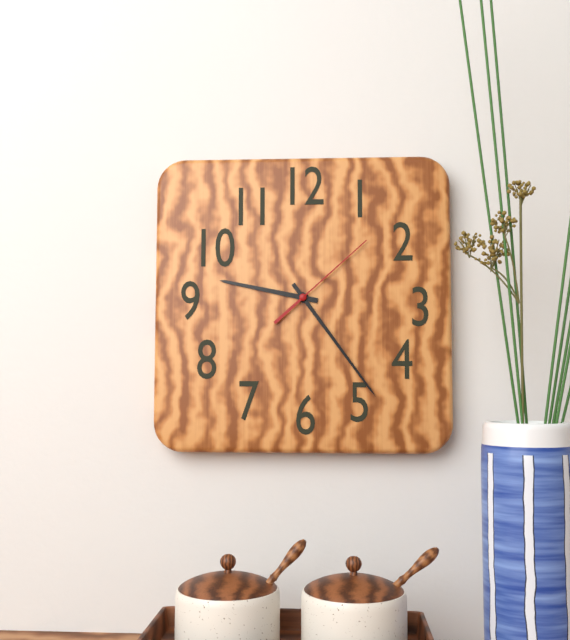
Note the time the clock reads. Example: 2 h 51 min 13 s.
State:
9 h 24 min 08 s
